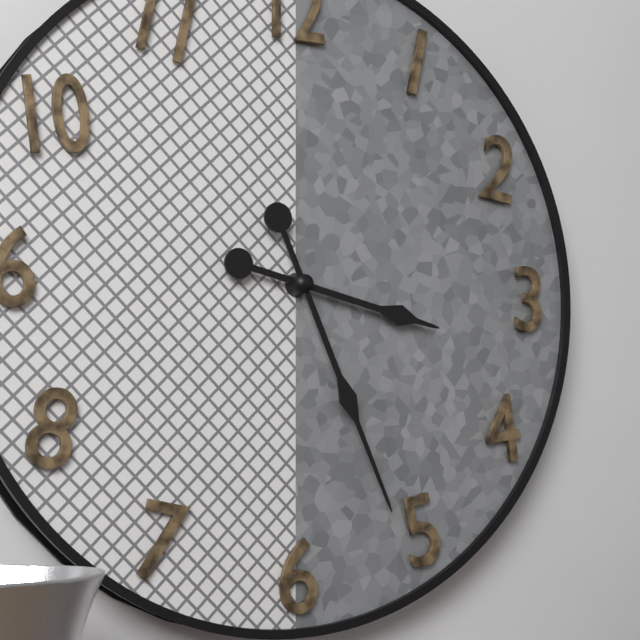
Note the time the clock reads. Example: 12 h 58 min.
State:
3 h 26 min
